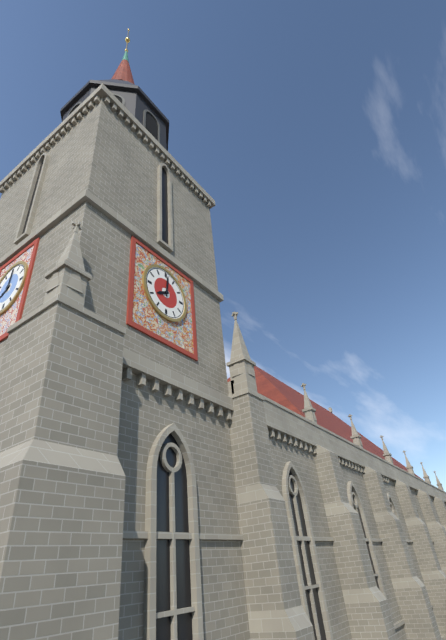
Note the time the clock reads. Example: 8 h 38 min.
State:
8 h 01 min
